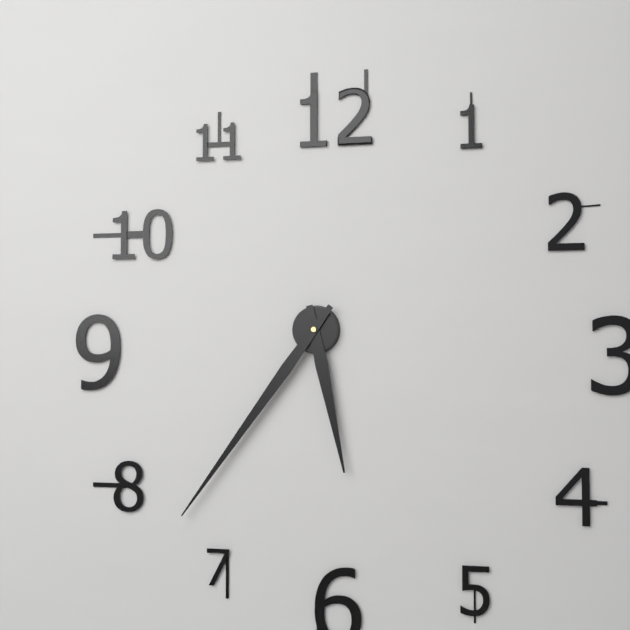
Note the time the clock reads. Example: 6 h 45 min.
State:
5 h 36 min
